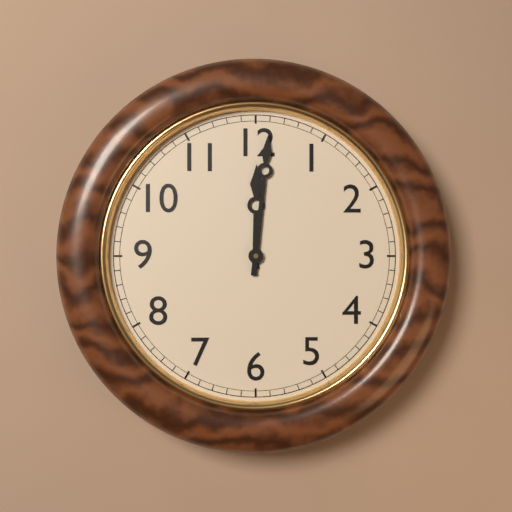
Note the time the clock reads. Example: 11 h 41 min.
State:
12 h 01 min
